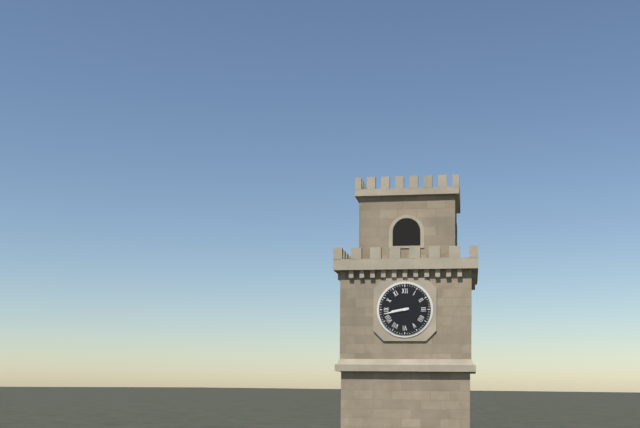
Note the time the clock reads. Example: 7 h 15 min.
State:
8 h 43 min
